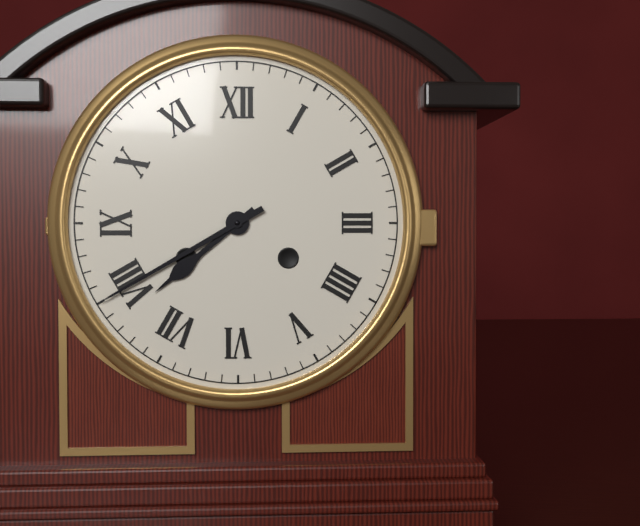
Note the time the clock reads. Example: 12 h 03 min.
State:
7 h 40 min
